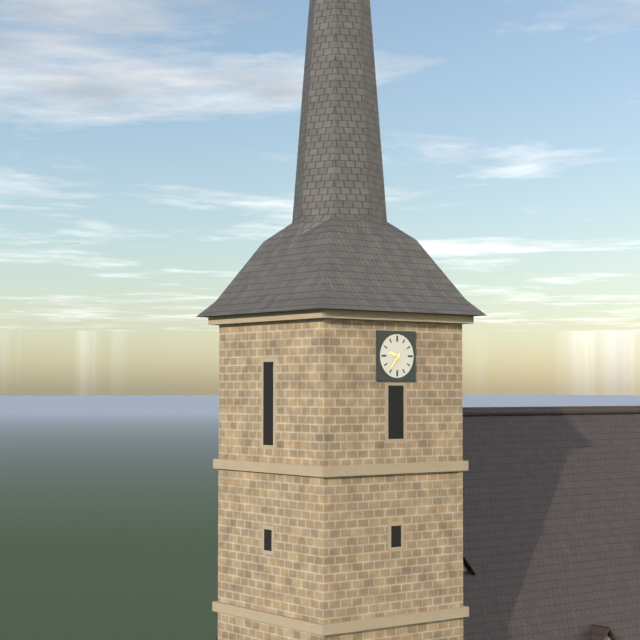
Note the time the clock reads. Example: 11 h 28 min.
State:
9 h 36 min
